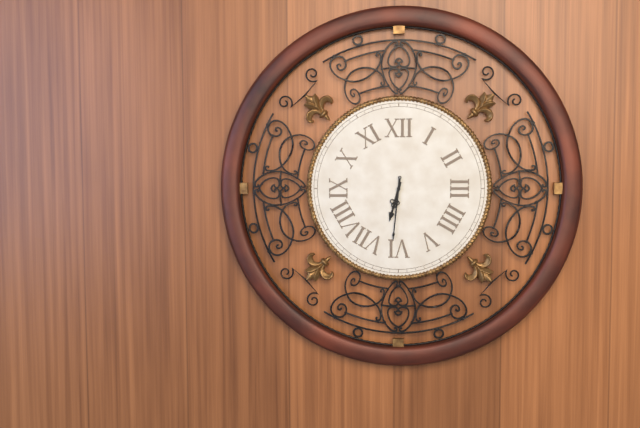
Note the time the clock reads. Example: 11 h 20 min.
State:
6 h 31 min
